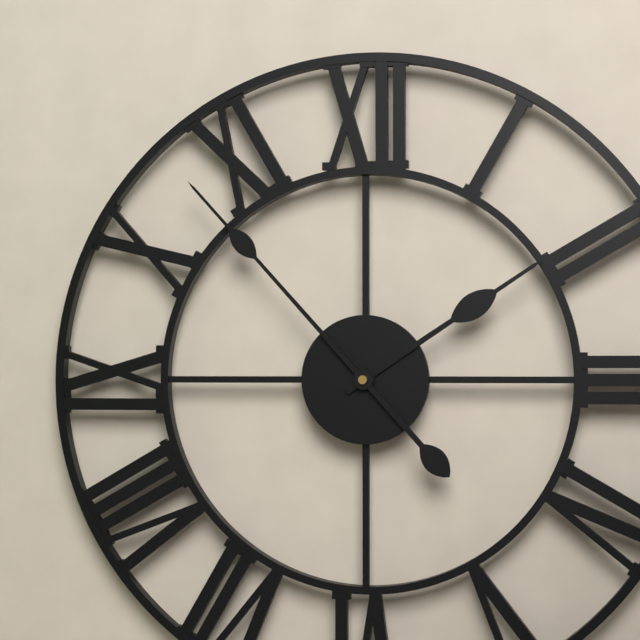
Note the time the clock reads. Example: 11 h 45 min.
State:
1 h 53 min
